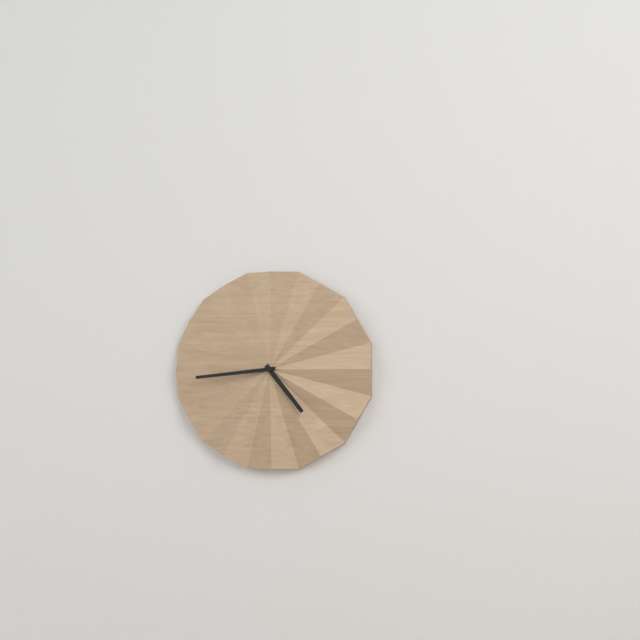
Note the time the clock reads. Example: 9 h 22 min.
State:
4 h 44 min
